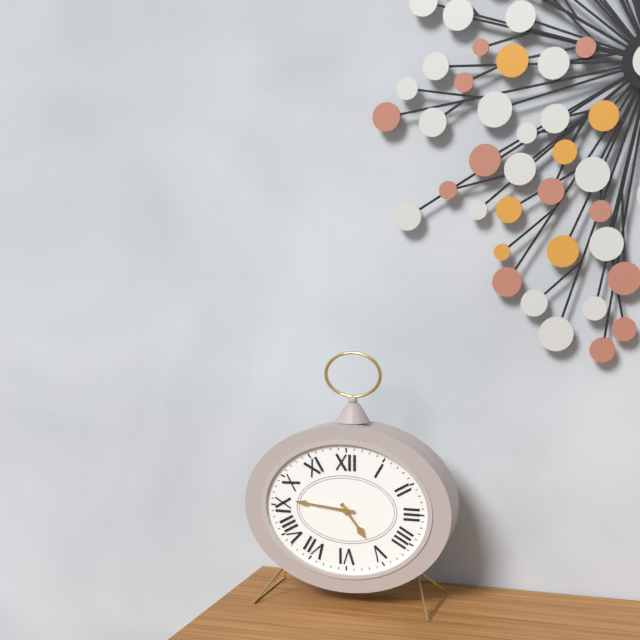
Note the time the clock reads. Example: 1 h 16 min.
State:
4 h 46 min
